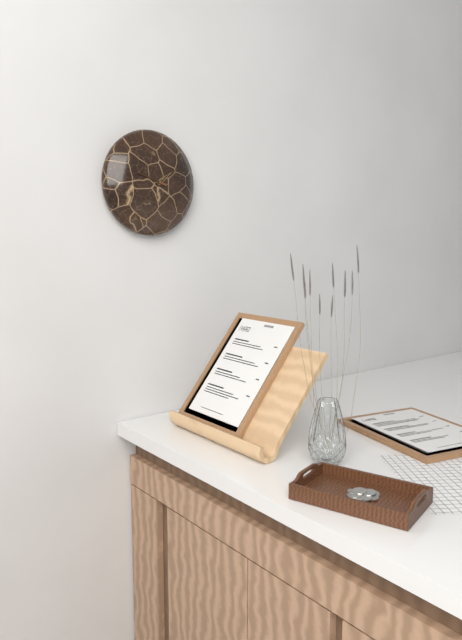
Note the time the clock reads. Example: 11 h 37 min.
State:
1 h 48 min
